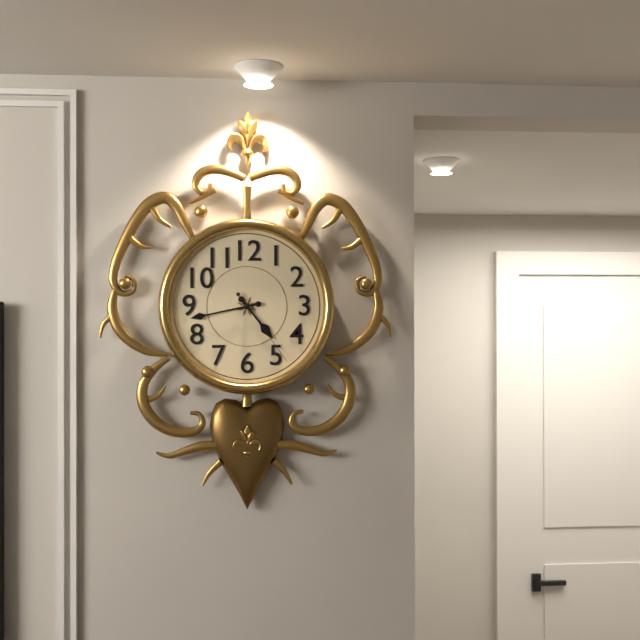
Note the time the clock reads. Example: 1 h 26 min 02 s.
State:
4 h 43 min 24 s
